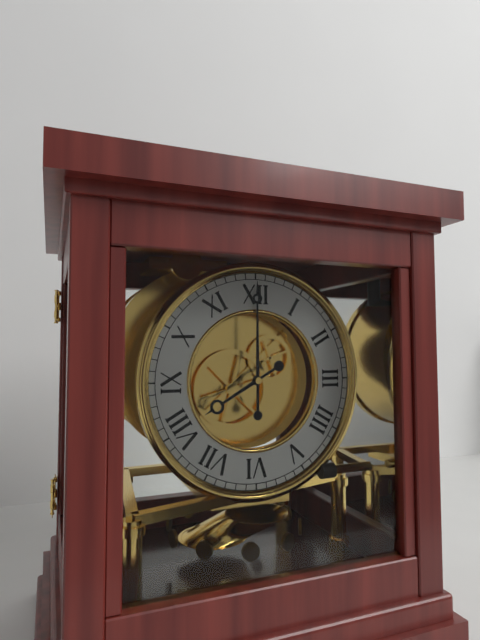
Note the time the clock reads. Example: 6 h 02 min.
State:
8 h 00 min
